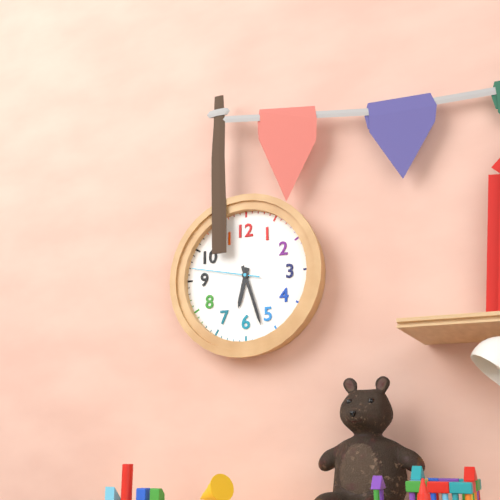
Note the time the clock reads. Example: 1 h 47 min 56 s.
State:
6 h 27 min 47 s
